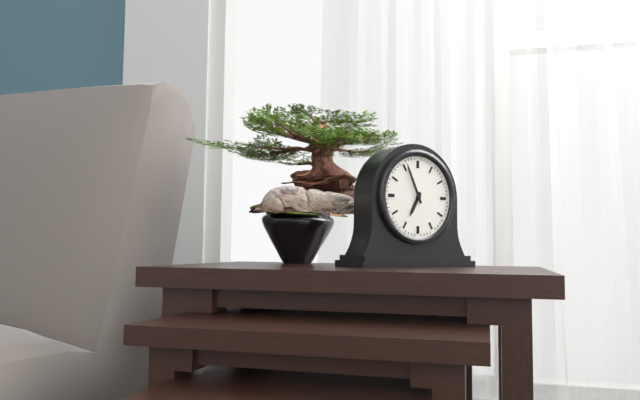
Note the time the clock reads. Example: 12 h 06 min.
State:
6 h 56 min
